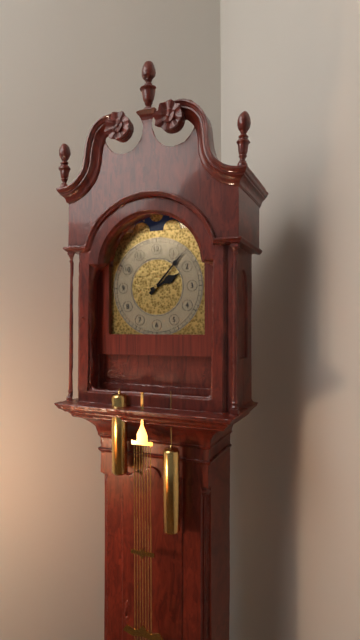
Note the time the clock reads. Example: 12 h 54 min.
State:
2 h 07 min
